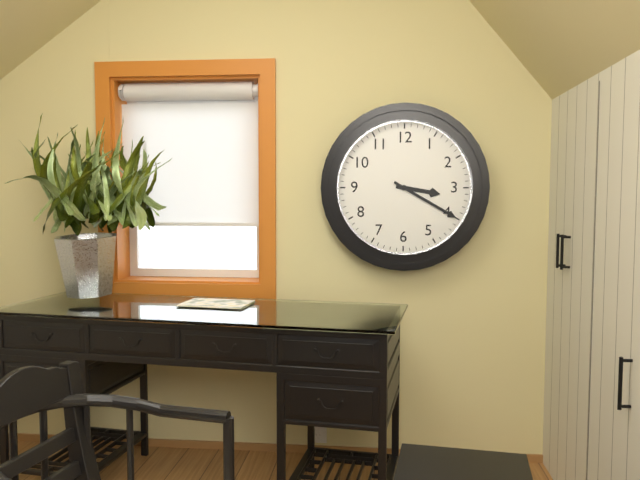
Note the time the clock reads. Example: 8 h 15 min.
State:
3 h 20 min
